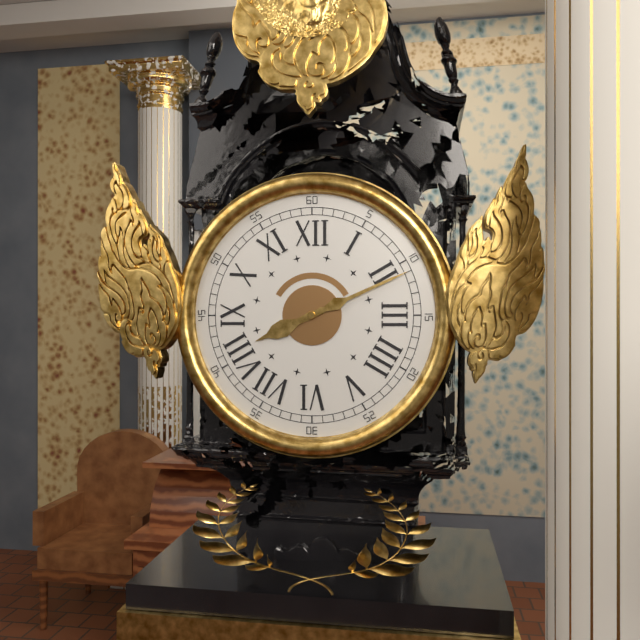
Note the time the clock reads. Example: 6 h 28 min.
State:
8 h 11 min
